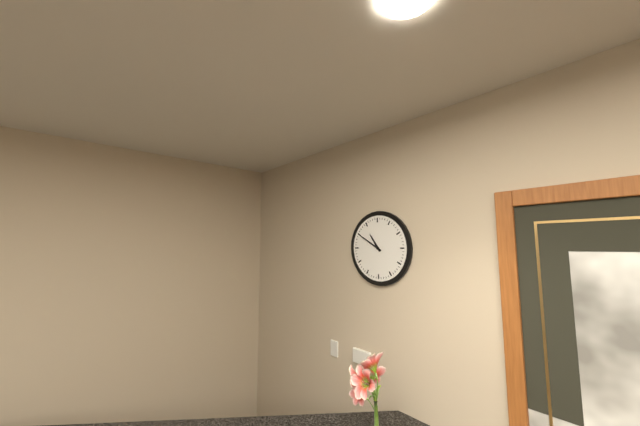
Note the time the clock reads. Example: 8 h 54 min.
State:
10 h 50 min
